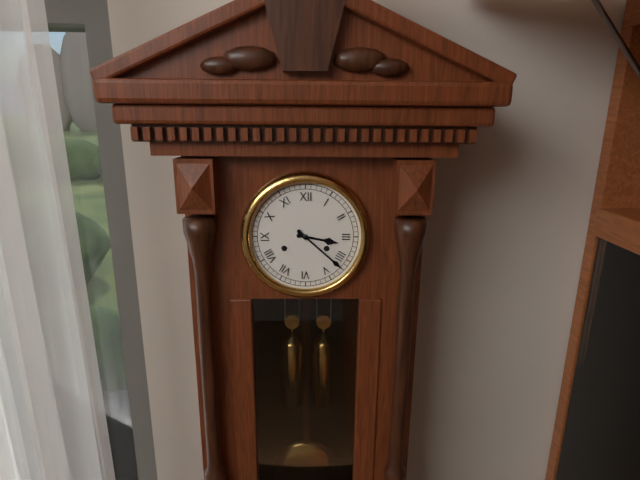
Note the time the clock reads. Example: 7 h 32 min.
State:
3 h 22 min
